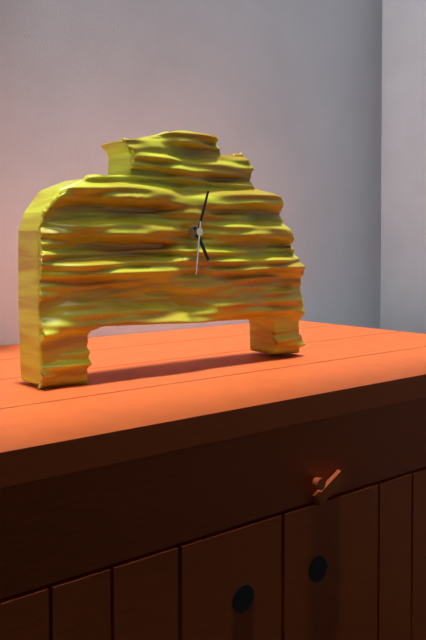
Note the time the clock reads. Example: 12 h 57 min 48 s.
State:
5 h 03 min 31 s
